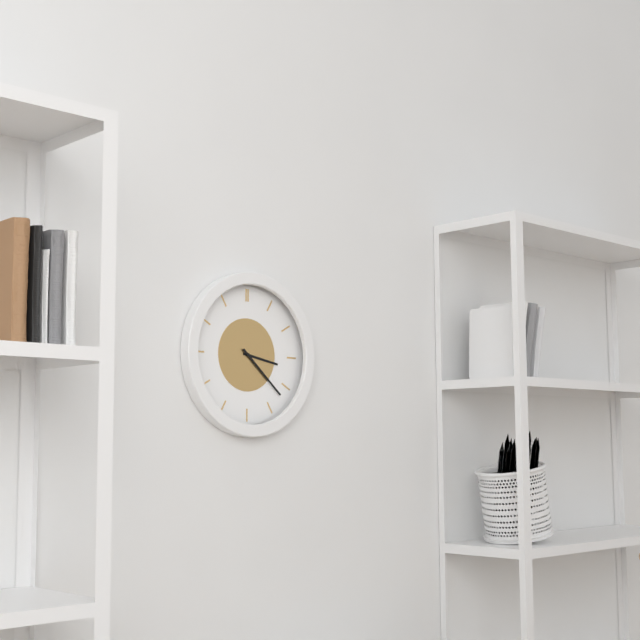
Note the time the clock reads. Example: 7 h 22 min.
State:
3 h 22 min
